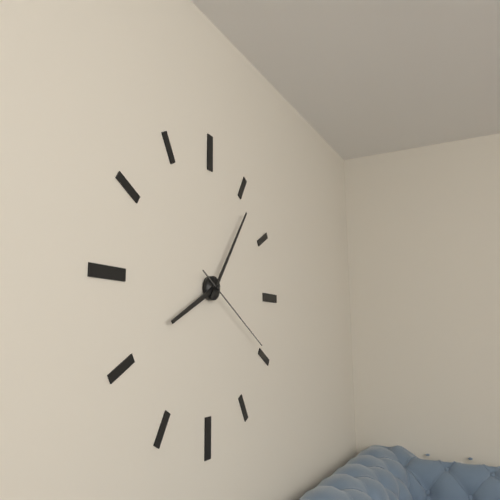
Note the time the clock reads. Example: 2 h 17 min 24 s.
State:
8 h 06 min 20 s
